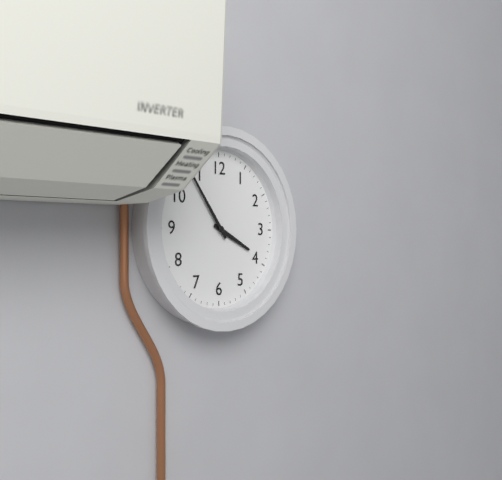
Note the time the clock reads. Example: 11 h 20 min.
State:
3 h 54 min
